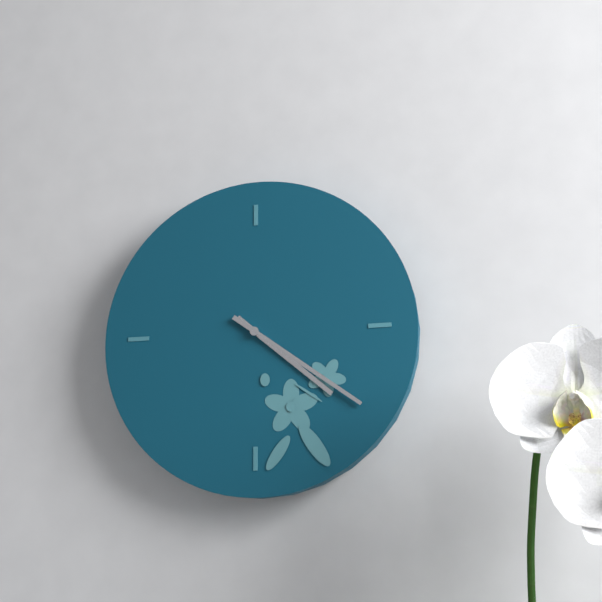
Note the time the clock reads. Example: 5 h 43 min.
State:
4 h 21 min
